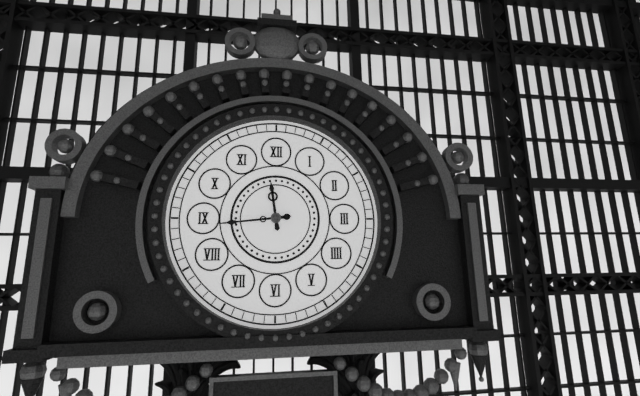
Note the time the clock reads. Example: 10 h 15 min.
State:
11 h 44 min
